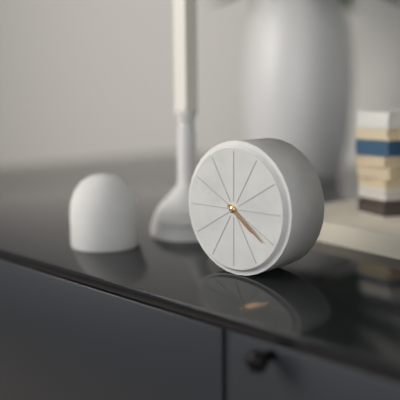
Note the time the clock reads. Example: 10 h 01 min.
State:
4 h 21 min
